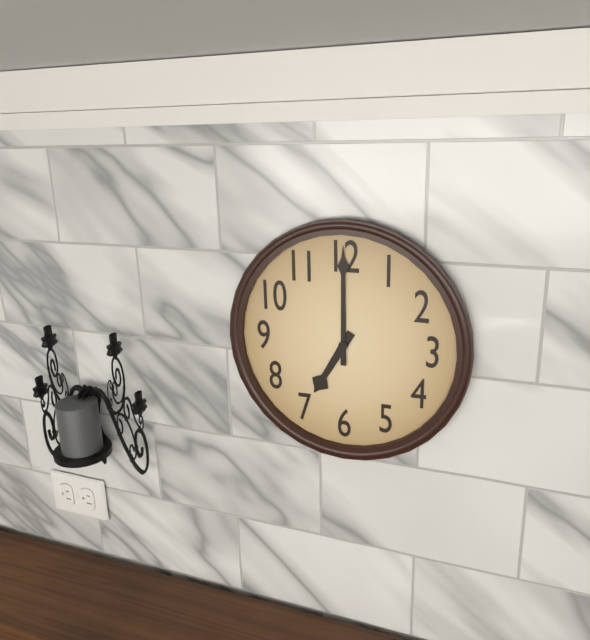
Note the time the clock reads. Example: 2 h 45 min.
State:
7 h 00 min
